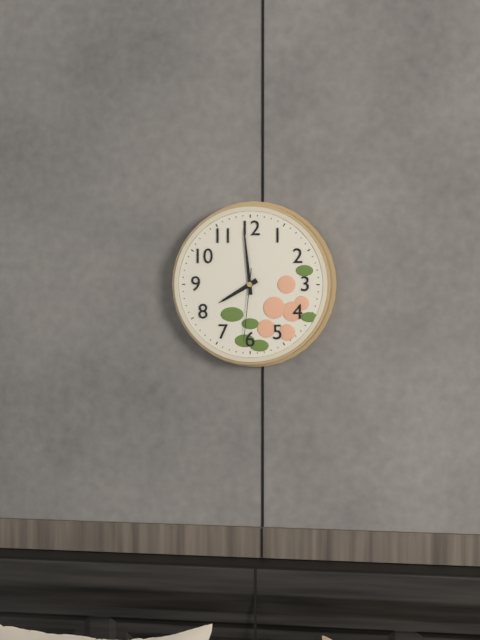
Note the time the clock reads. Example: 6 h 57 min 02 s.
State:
7 h 59 min 31 s
